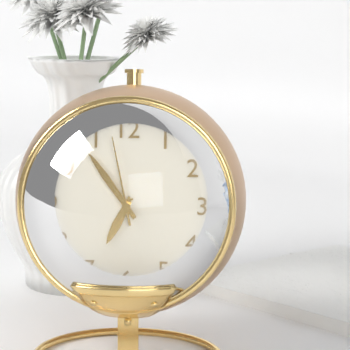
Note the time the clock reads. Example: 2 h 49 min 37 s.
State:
6 h 54 min 58 s
